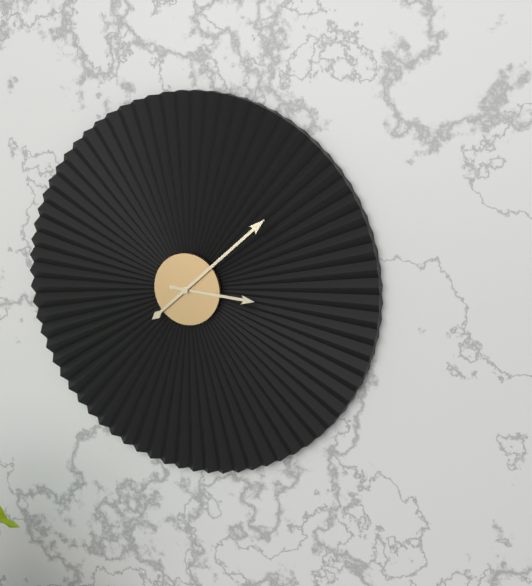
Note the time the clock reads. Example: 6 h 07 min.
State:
3 h 08 min
